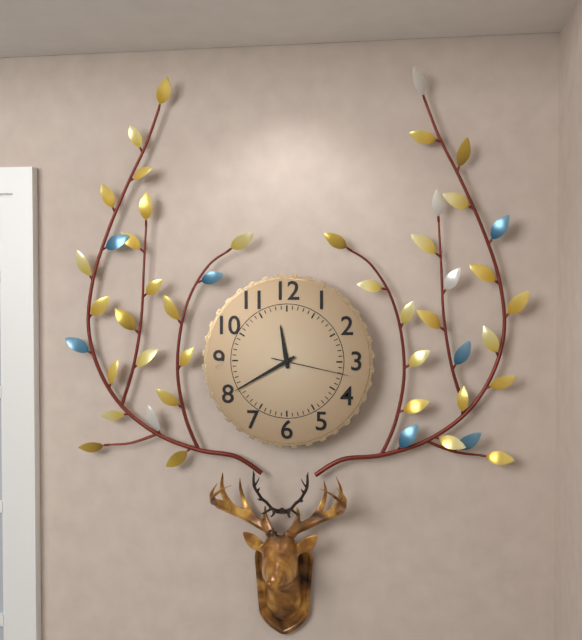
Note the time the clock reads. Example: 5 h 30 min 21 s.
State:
11 h 40 min 17 s
